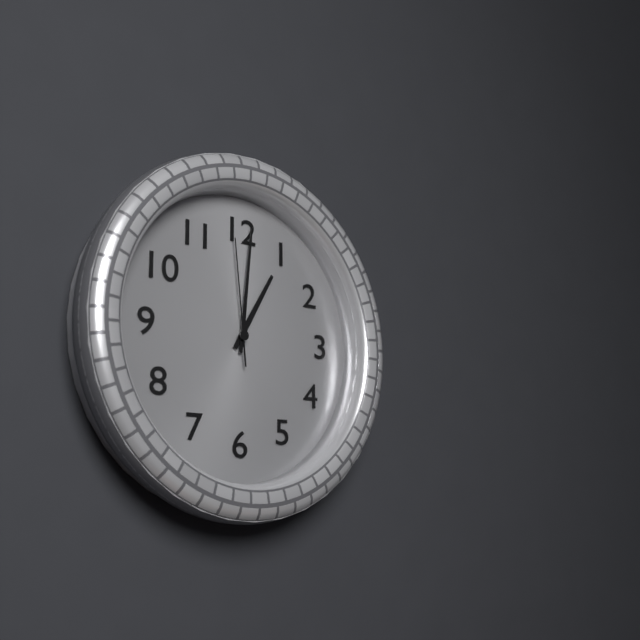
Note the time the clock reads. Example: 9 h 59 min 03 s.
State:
1 h 01 min 59 s
